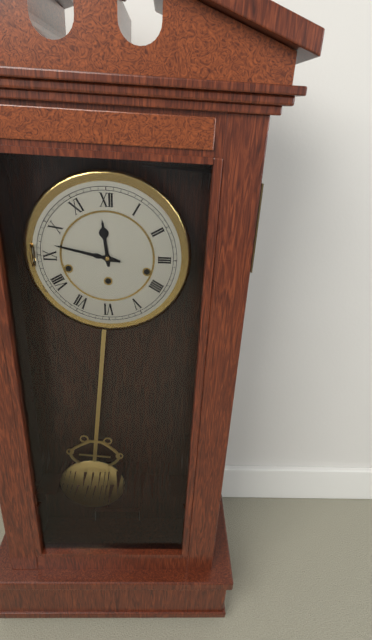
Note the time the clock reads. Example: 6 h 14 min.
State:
11 h 47 min
